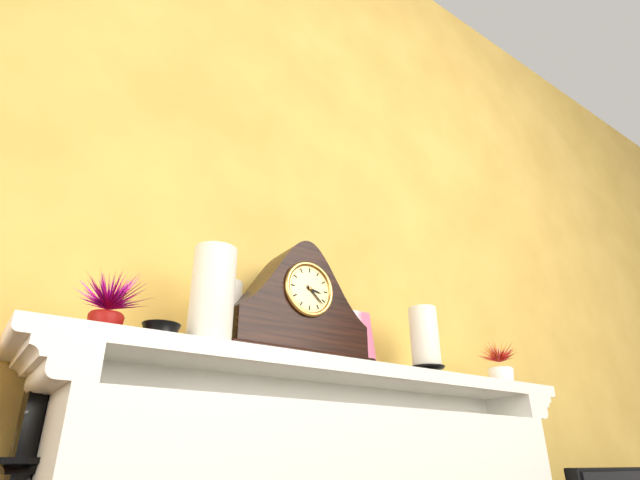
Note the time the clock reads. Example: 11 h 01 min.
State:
3 h 22 min
